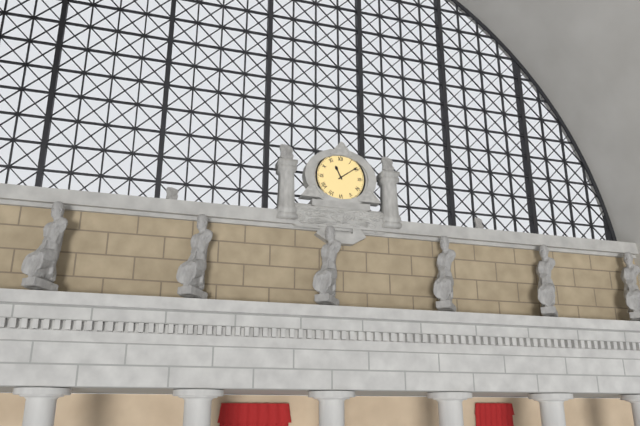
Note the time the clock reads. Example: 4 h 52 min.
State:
11 h 09 min
